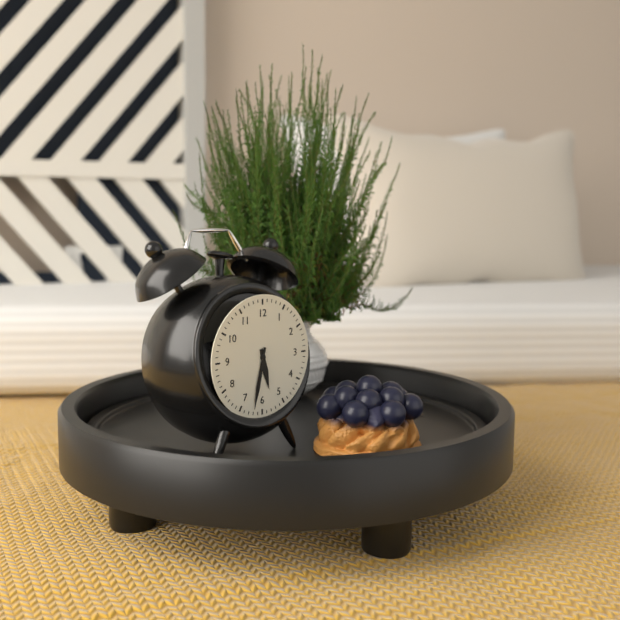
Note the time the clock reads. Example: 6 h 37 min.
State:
5 h 32 min
